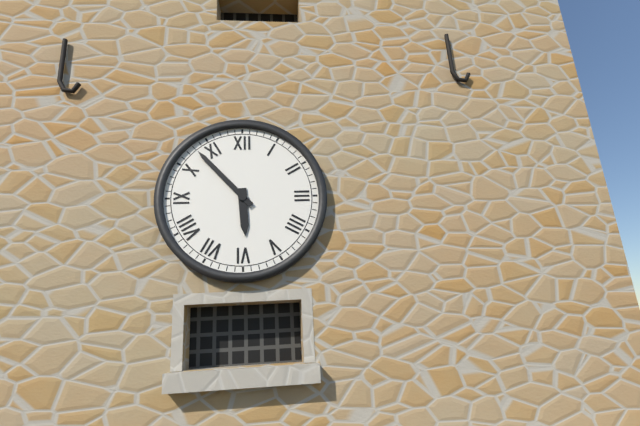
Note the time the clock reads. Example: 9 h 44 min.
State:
5 h 53 min
